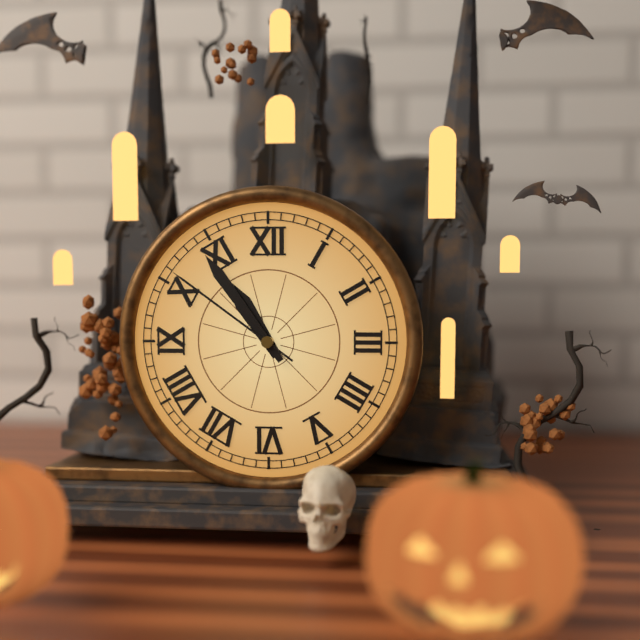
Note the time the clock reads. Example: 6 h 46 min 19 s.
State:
10 h 54 min 51 s
